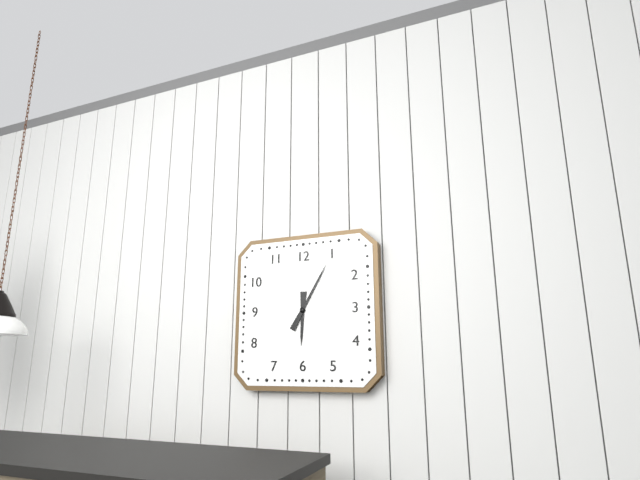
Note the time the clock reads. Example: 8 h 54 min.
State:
6 h 05 min
